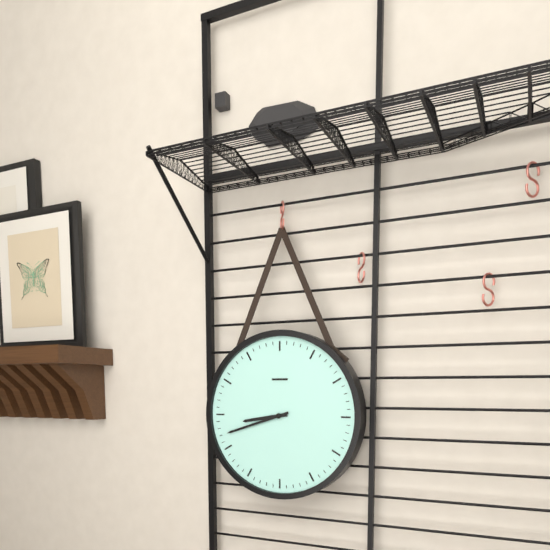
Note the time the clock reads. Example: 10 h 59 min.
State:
8 h 42 min
